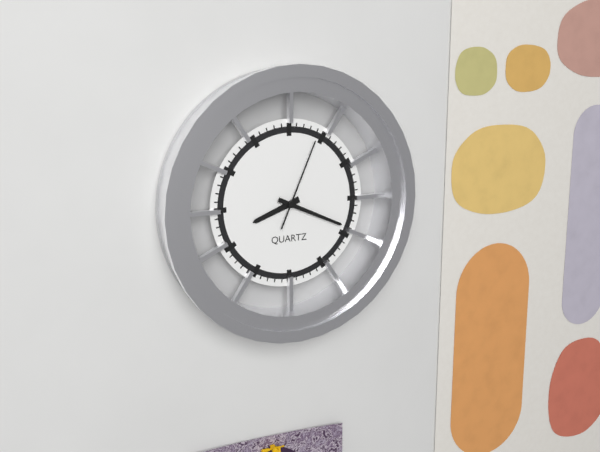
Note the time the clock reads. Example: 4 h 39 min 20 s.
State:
8 h 19 min 04 s
